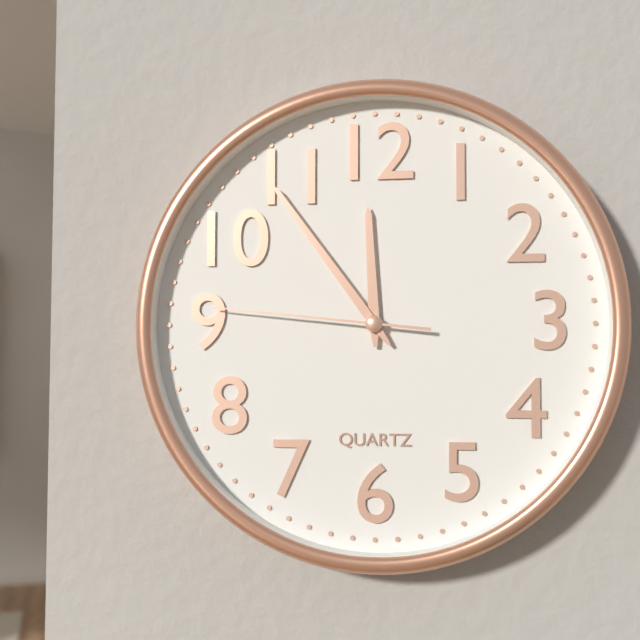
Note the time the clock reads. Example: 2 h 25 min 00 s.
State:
11 h 54 min 46 s
